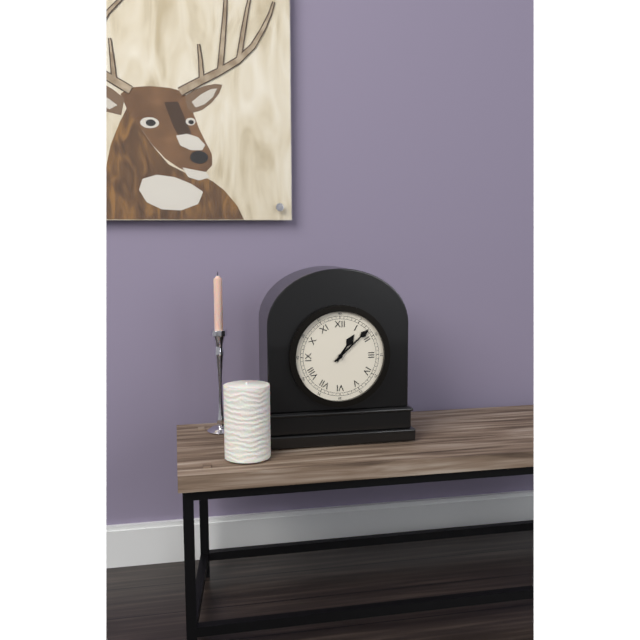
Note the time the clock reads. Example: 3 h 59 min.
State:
1 h 08 min
